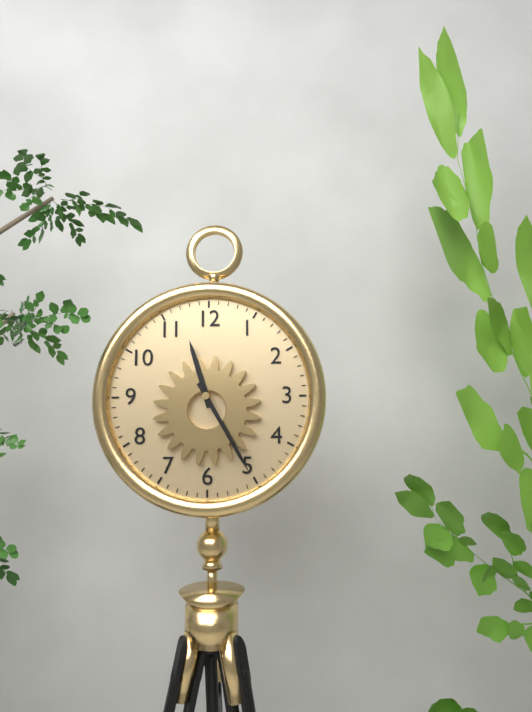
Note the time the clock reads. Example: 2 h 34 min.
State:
11 h 25 min
